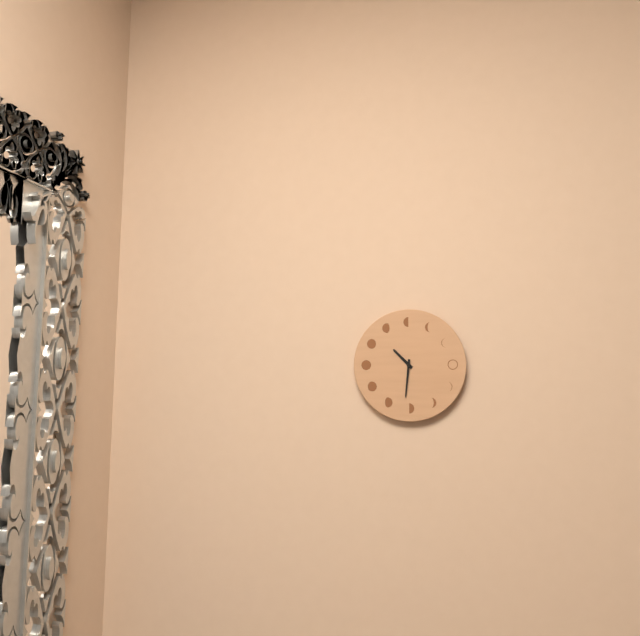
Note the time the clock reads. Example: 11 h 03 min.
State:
10 h 31 min
